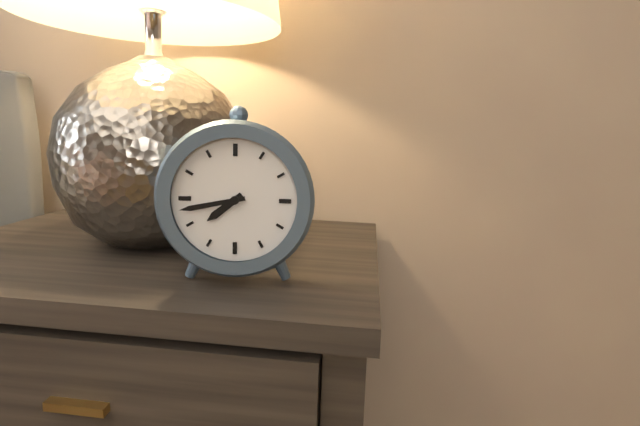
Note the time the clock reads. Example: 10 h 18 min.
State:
7 h 43 min
